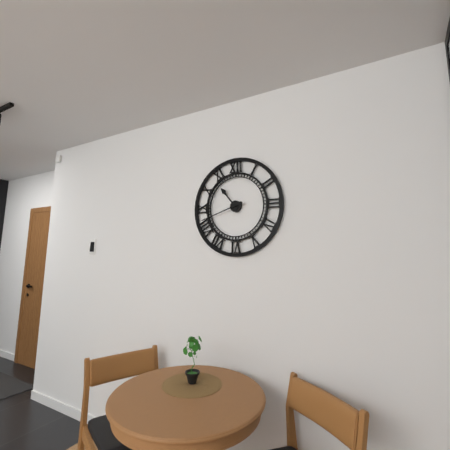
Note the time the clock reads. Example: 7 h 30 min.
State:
10 h 42 min
